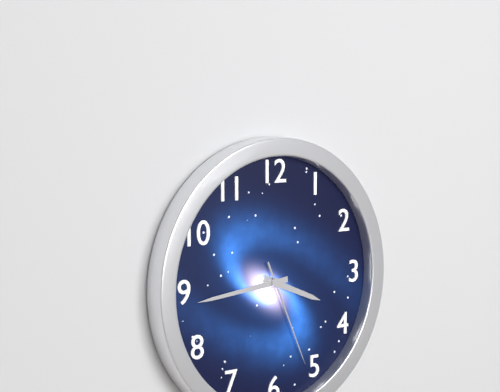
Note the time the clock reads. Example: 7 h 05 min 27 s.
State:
3 h 44 min 26 s
